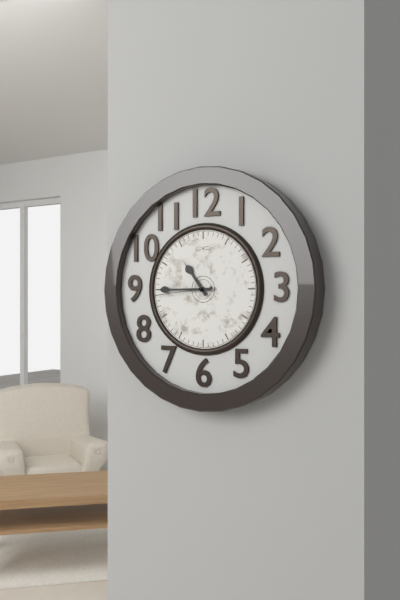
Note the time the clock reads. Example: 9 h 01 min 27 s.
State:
10 h 45 min 44 s
